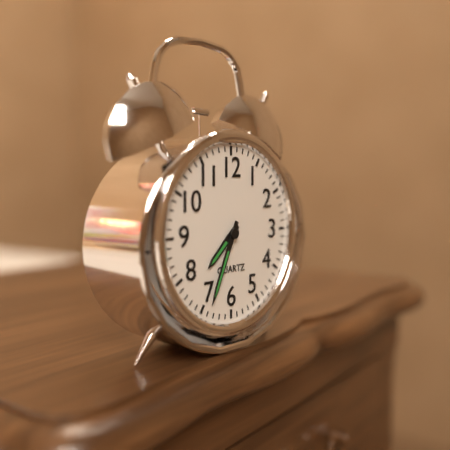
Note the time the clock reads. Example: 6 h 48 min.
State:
7 h 34 min
